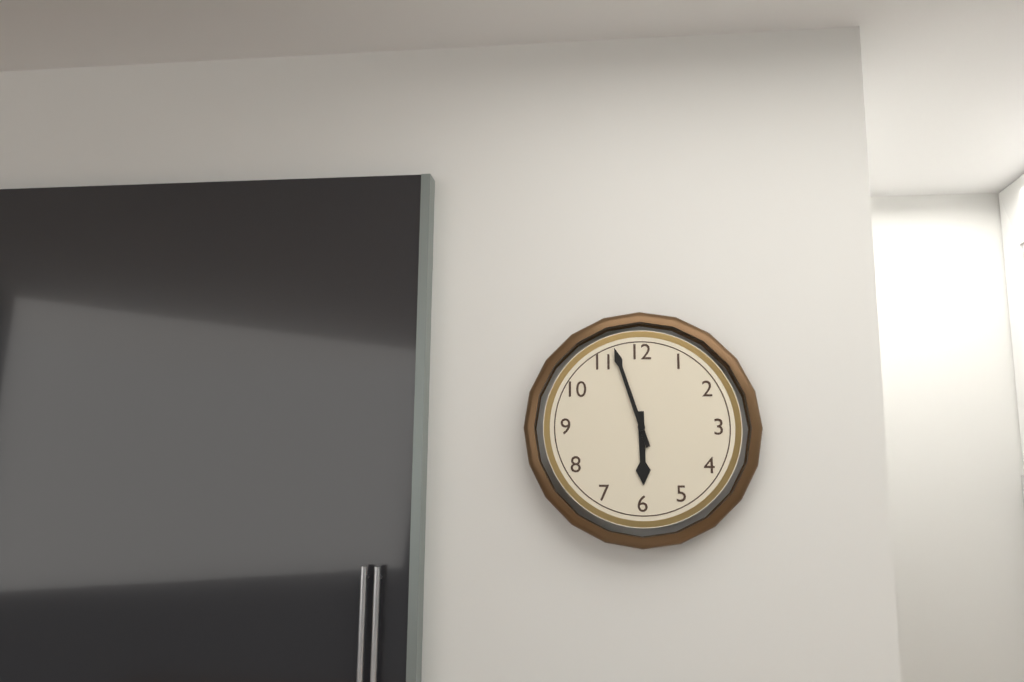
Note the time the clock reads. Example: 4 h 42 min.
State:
5 h 57 min
